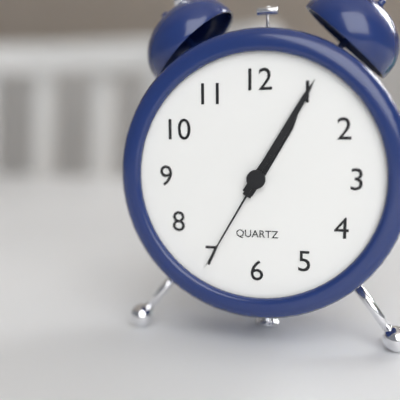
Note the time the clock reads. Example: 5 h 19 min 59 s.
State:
1 h 05 min 35 s
